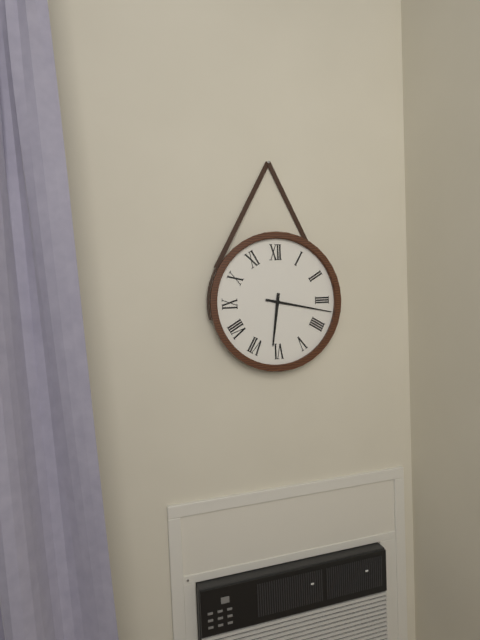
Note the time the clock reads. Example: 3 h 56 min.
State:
6 h 17 min
